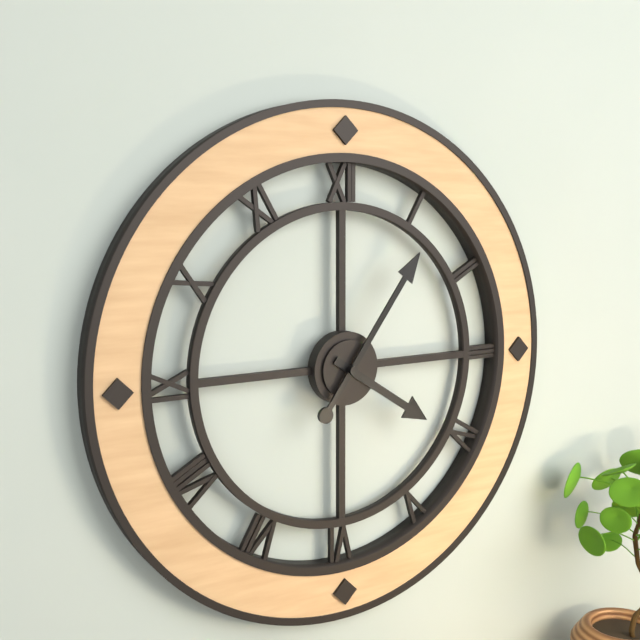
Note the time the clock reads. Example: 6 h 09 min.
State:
4 h 06 min
